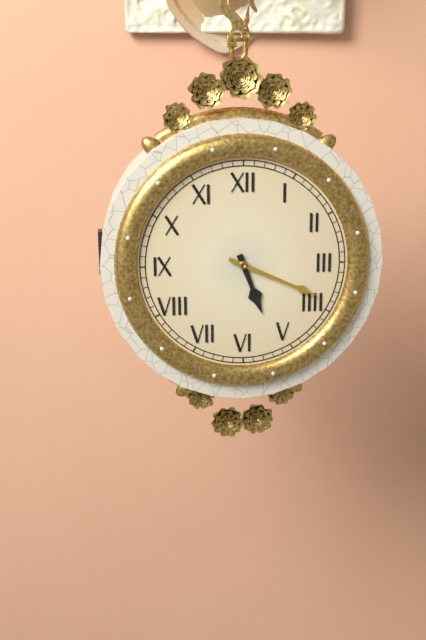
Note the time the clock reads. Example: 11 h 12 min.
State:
5 h 19 min
